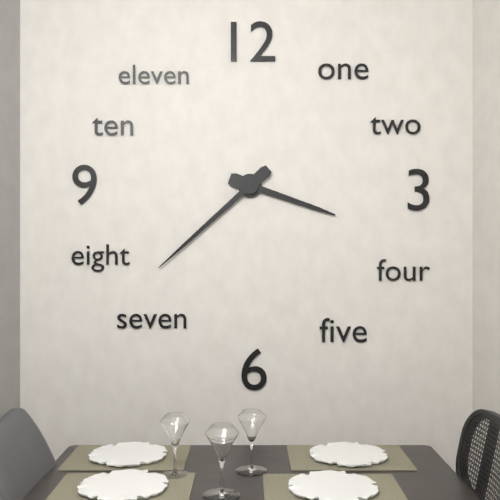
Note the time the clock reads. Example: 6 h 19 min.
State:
3 h 38 min
